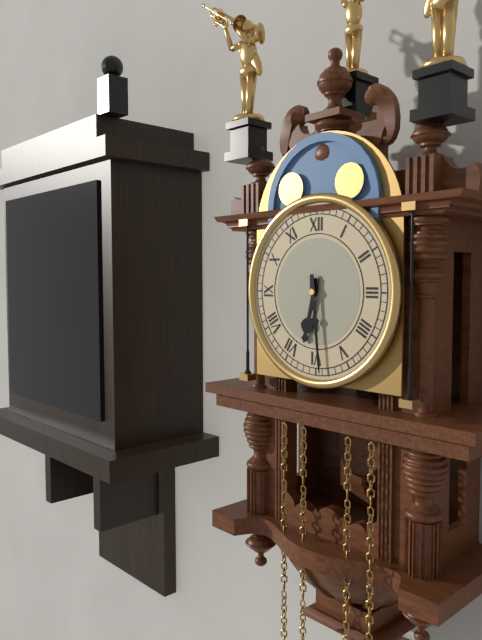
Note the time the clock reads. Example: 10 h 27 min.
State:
6 h 29 min
